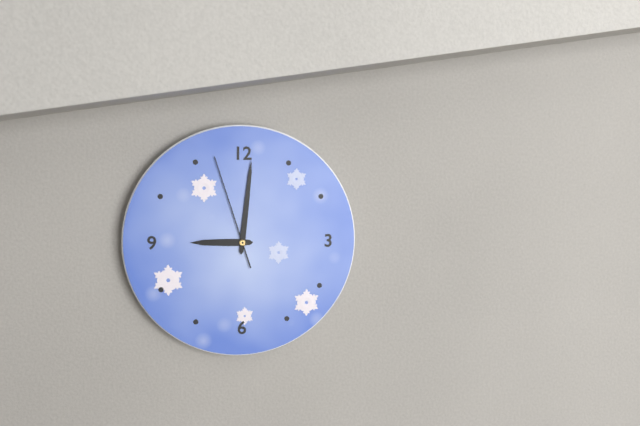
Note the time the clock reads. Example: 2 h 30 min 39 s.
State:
9 h 01 min 57 s
